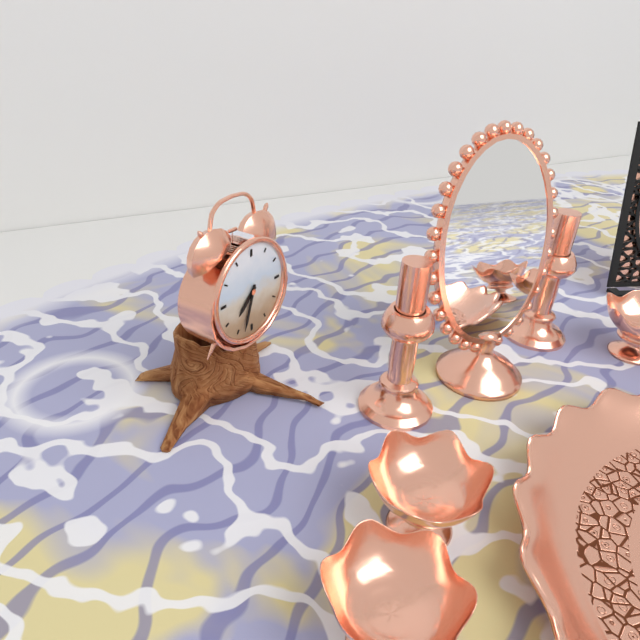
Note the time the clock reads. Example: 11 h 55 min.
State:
7 h 33 min
